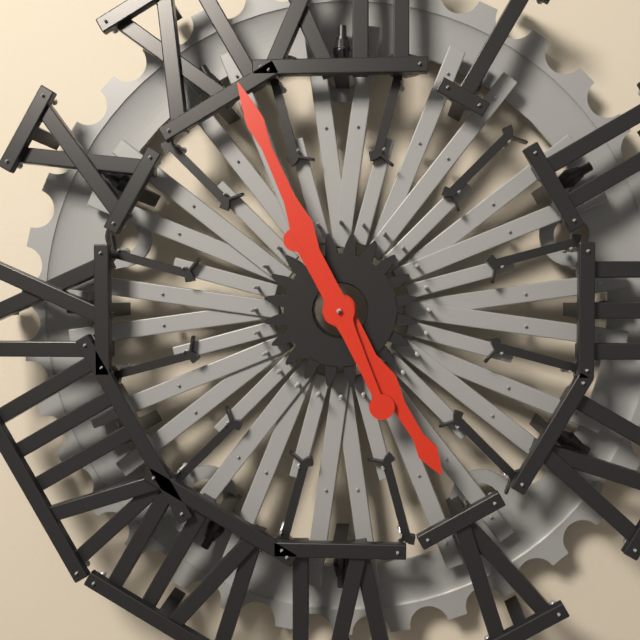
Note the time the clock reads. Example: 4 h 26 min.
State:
4 h 56 min
